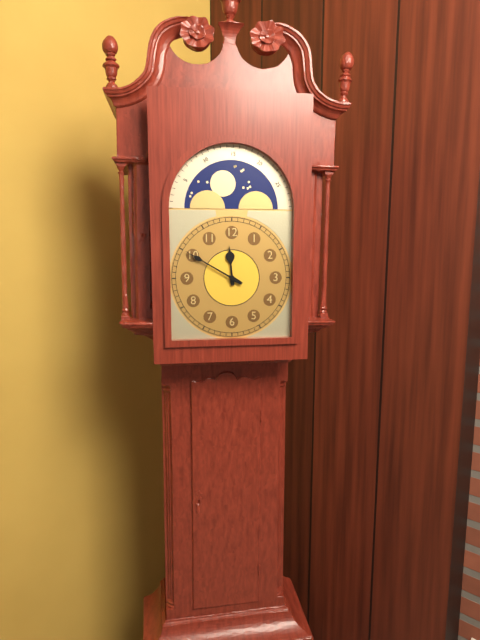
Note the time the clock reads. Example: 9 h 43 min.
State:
11 h 50 min
